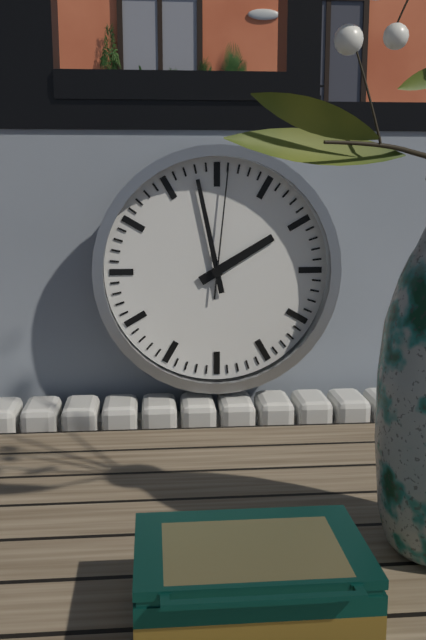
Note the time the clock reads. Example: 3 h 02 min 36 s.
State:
1 h 58 min 01 s
